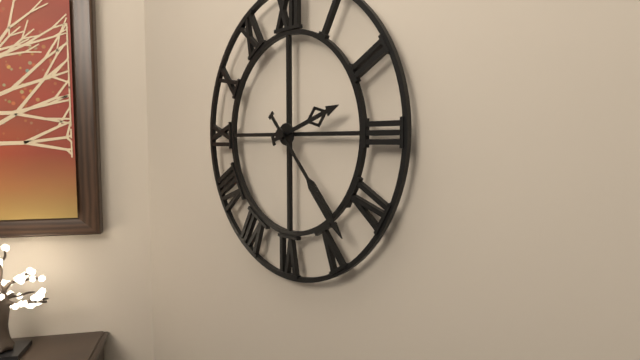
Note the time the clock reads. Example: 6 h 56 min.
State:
2 h 23 min
